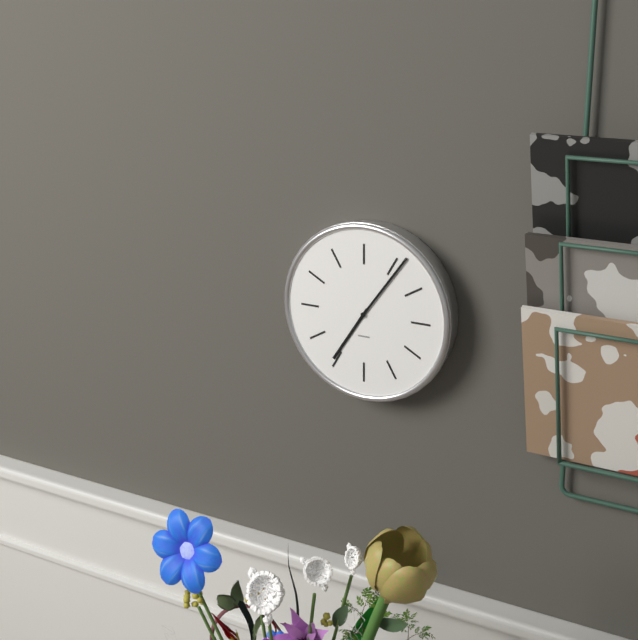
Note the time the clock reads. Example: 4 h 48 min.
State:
7 h 06 min
